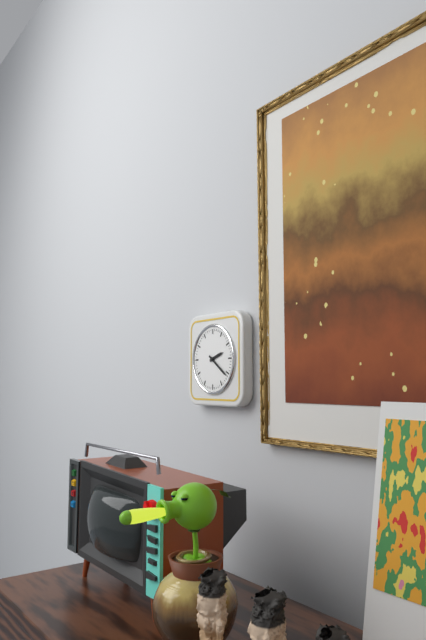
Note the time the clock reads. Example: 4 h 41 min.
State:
2 h 21 min
